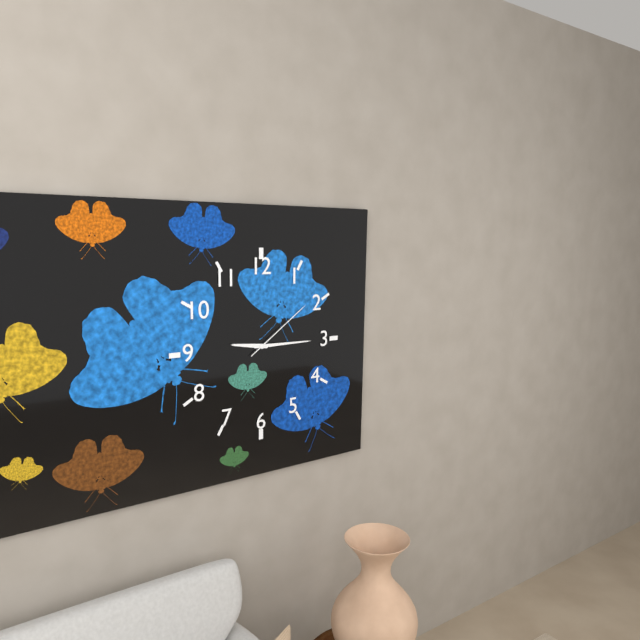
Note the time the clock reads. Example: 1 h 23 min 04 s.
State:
9 h 15 min 09 s
